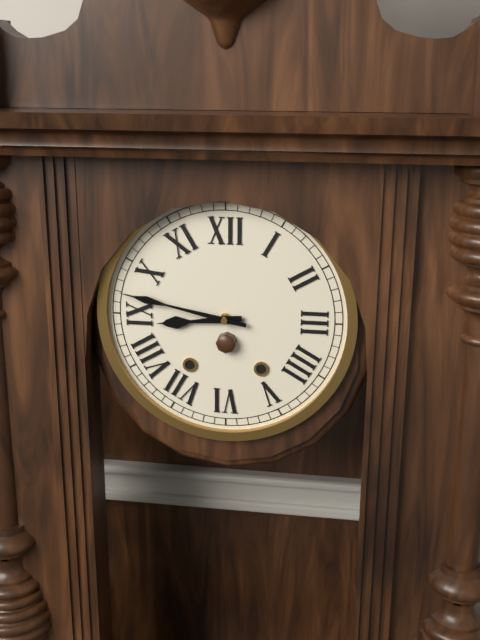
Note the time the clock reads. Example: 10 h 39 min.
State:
8 h 47 min
